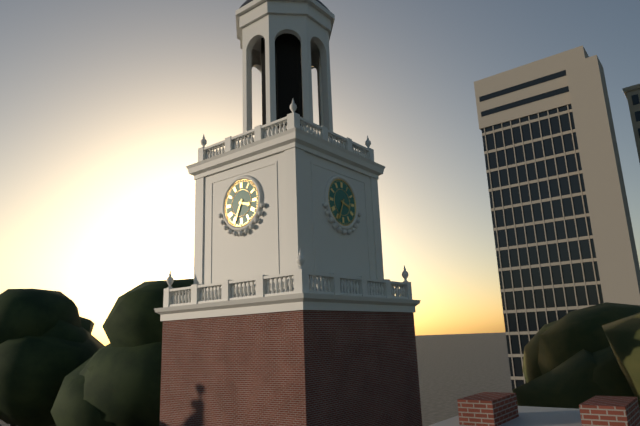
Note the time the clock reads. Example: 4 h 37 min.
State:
3 h 34 min
